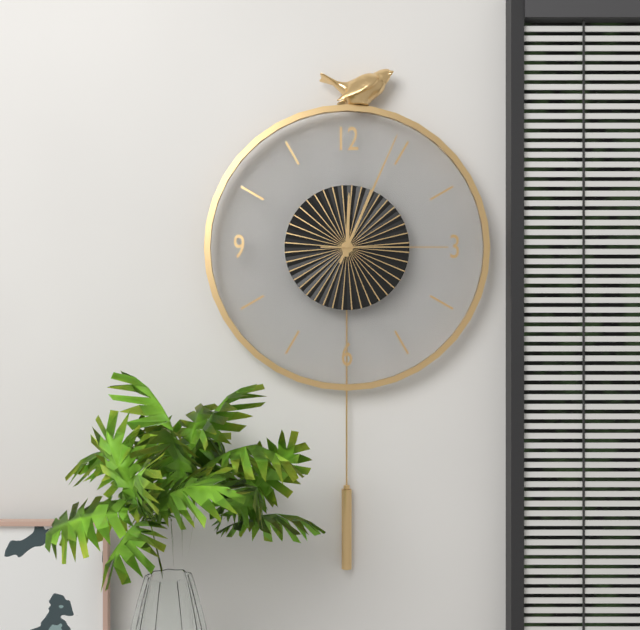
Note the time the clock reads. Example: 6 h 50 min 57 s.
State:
12 h 04 min 15 s
